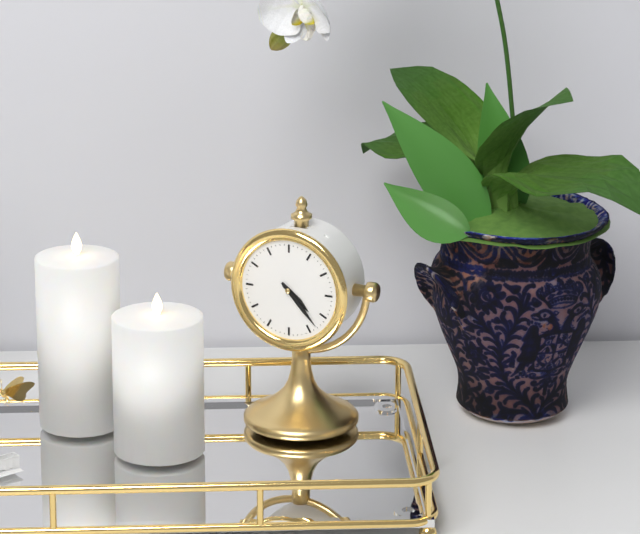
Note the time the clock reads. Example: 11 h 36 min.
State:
4 h 23 min
